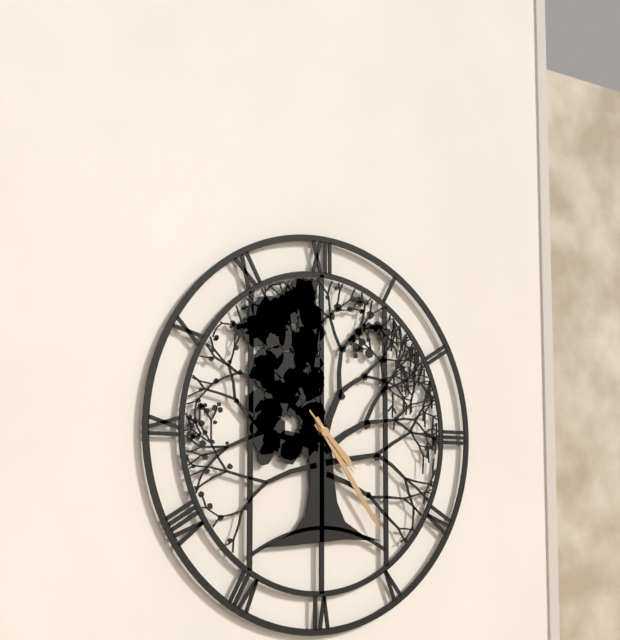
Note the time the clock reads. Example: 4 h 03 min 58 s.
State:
4 h 24 min 23 s
